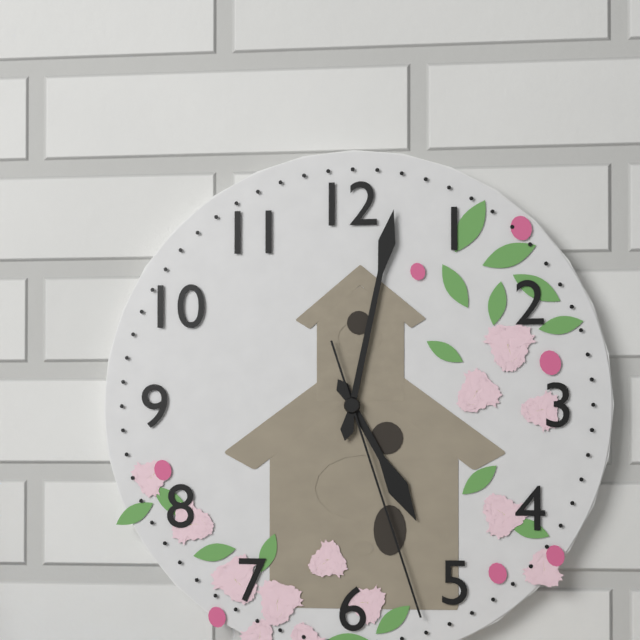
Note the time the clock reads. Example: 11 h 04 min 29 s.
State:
5 h 02 min 27 s
